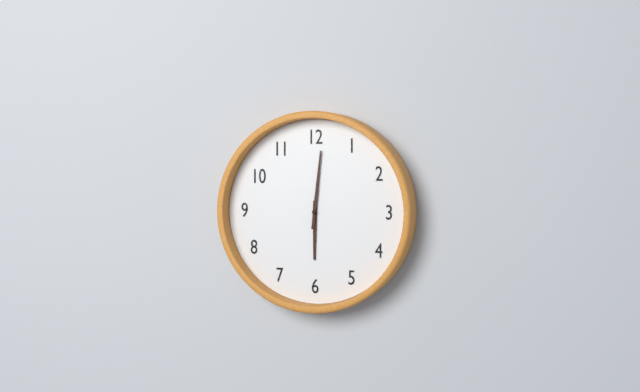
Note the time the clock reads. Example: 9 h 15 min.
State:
6 h 01 min
